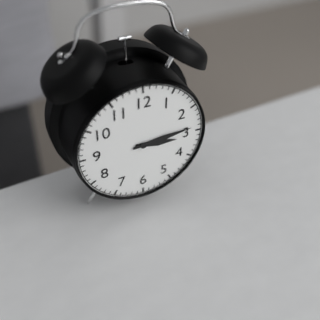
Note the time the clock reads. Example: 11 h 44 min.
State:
3 h 14 min
